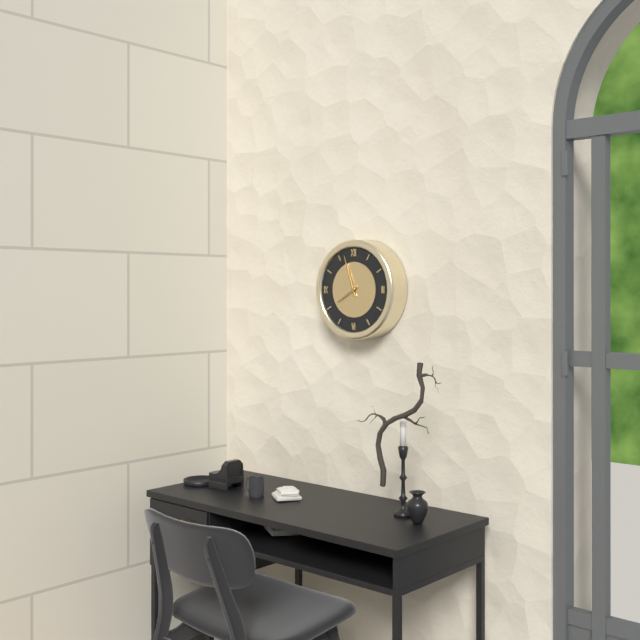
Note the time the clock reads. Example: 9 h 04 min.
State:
7 h 57 min
